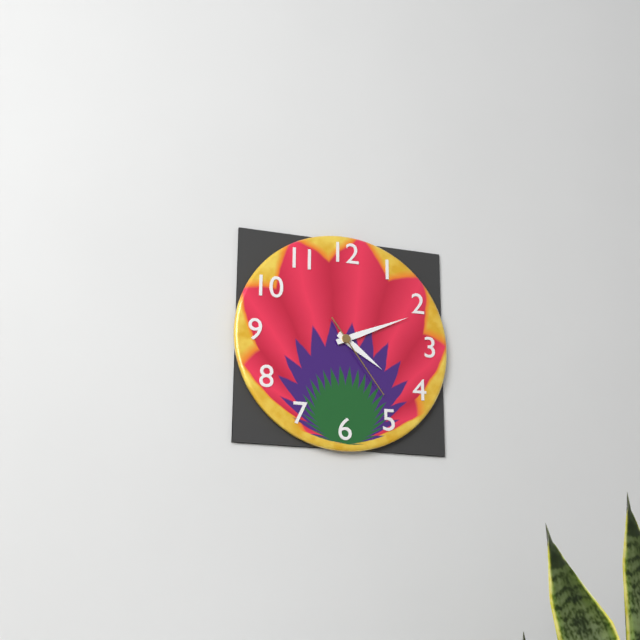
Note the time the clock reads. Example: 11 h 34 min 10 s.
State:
4 h 11 min 24 s
